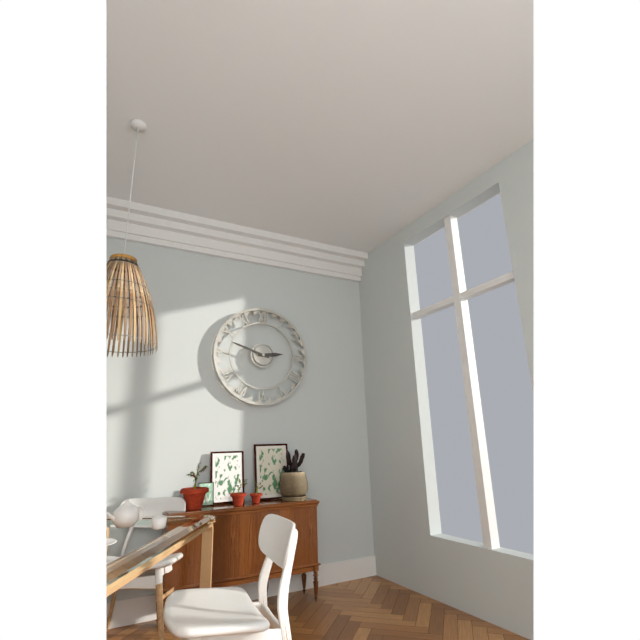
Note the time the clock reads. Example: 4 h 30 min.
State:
2 h 48 min
